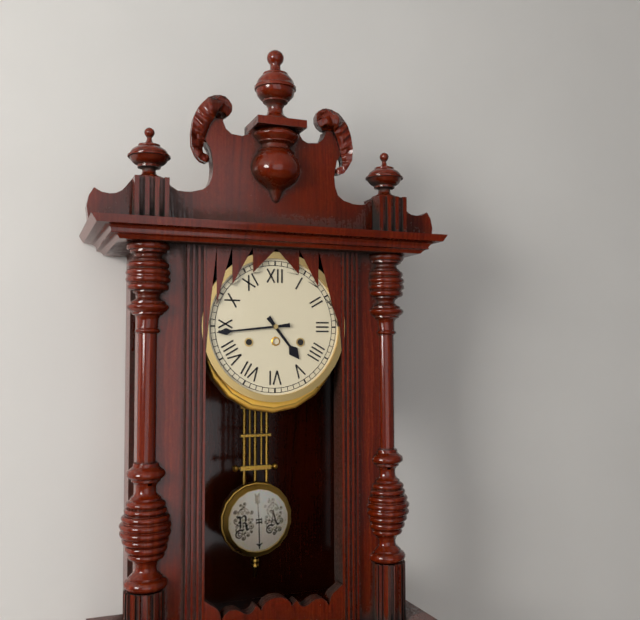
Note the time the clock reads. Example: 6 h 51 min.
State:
4 h 44 min
